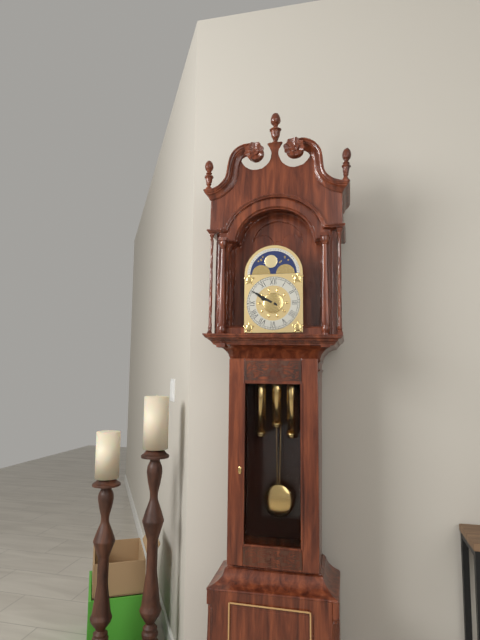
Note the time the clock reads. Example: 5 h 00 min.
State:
9 h 50 min
